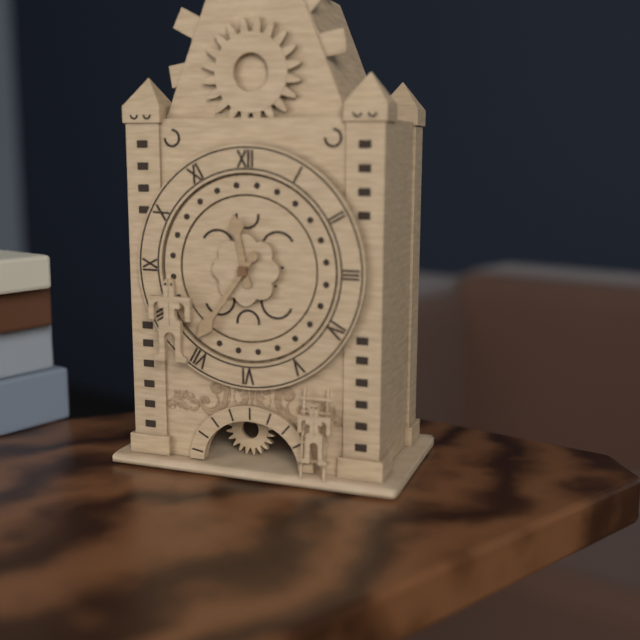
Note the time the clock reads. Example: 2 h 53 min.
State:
11 h 36 min
